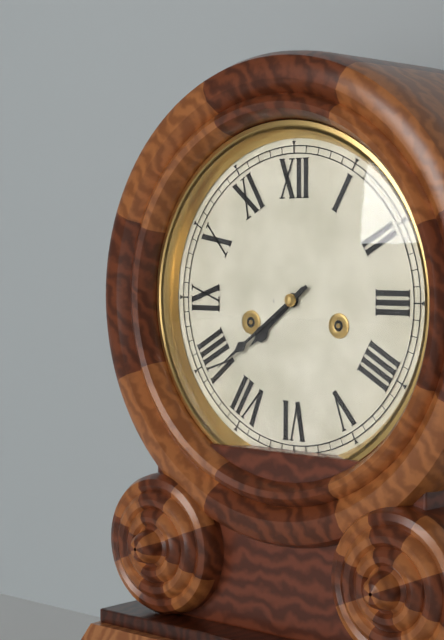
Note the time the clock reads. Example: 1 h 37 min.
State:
7 h 39 min
